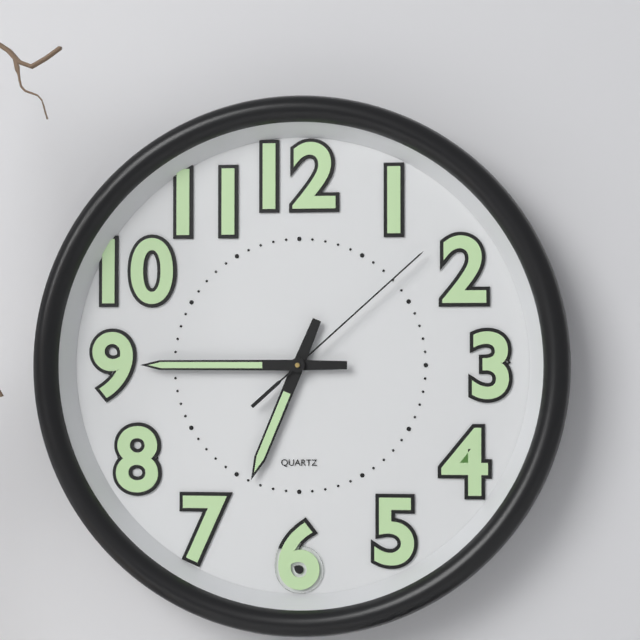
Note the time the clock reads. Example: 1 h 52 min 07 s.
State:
6 h 45 min 08 s
